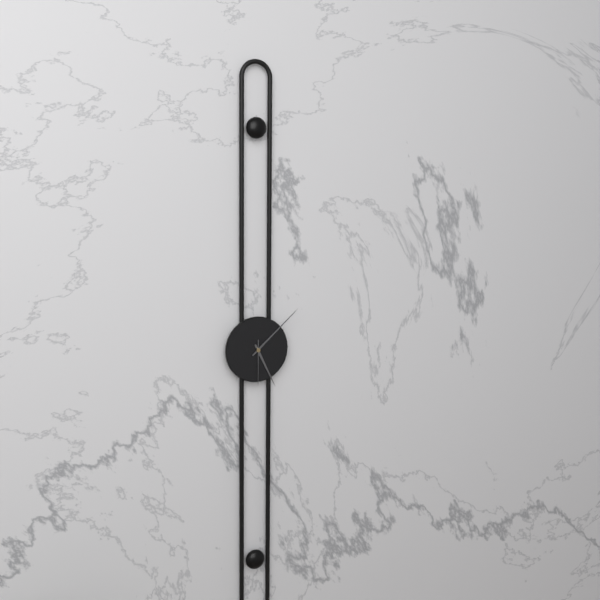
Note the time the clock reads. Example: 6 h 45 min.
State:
5 h 08 min
